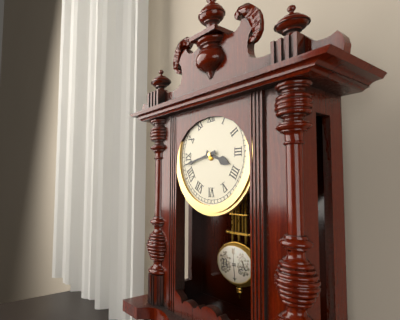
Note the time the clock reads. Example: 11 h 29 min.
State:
3 h 43 min
